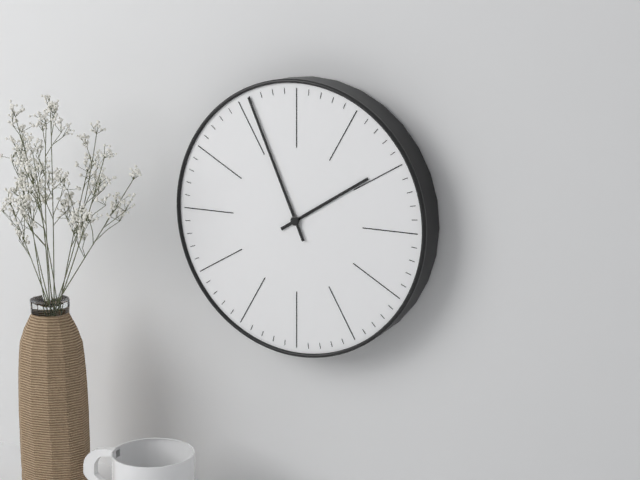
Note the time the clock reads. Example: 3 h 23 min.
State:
1 h 56 min
